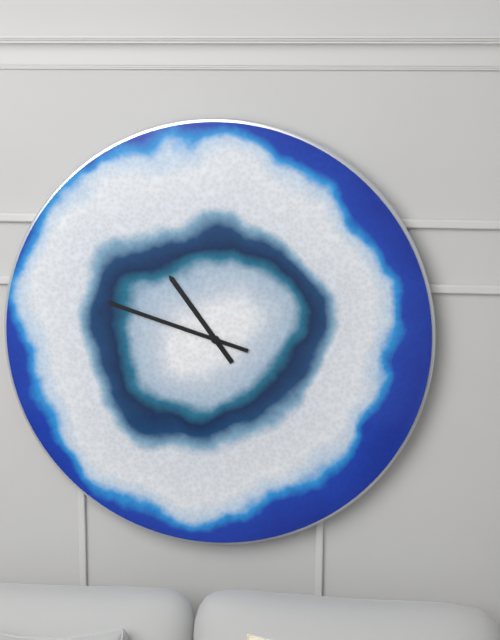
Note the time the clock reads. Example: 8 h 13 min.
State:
10 h 48 min
